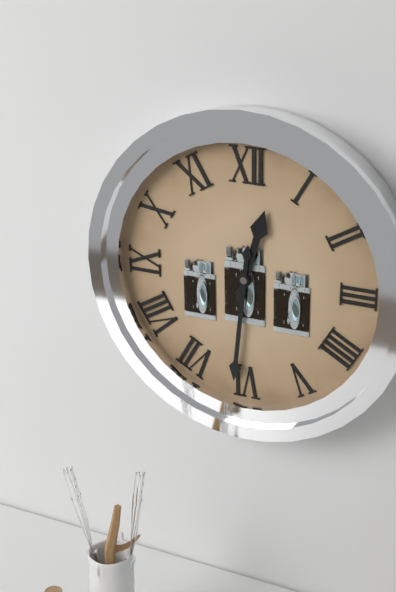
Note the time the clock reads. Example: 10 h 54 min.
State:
12 h 31 min
